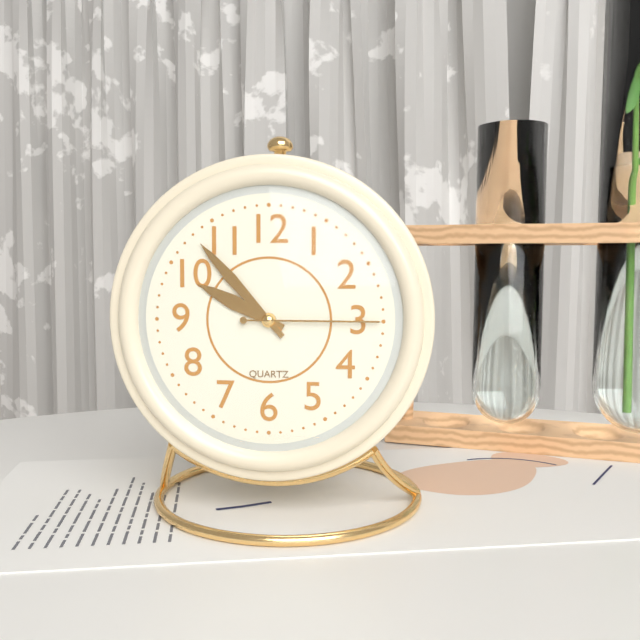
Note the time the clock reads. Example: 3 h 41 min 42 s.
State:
9 h 53 min 15 s
